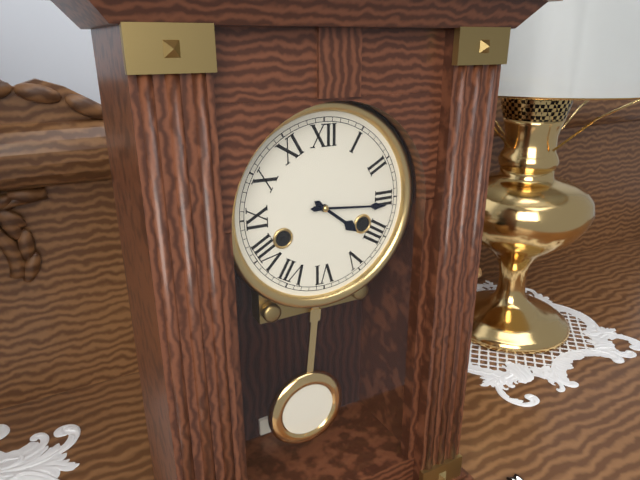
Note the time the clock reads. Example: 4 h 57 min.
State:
4 h 16 min
